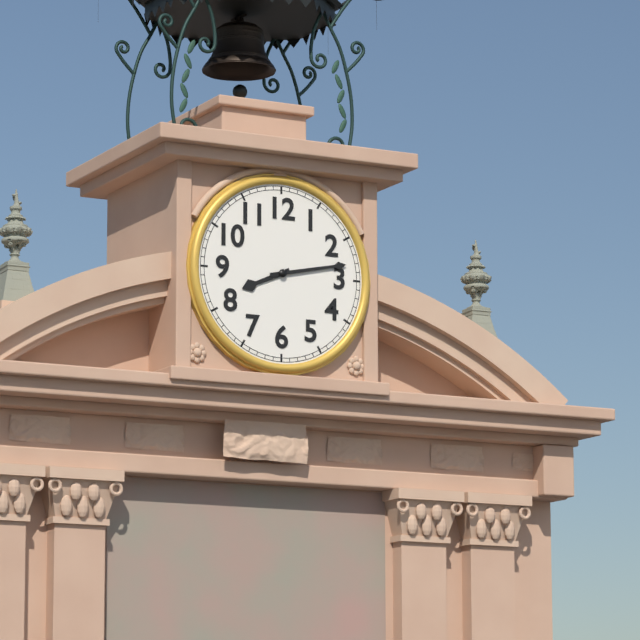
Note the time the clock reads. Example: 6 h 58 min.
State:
8 h 13 min
